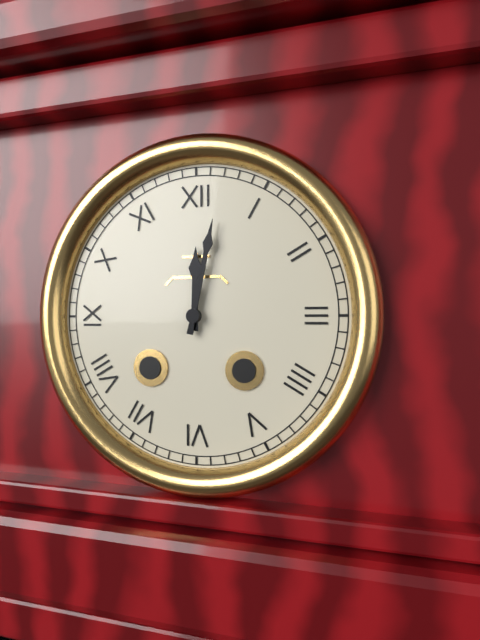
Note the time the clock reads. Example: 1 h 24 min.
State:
12 h 02 min
